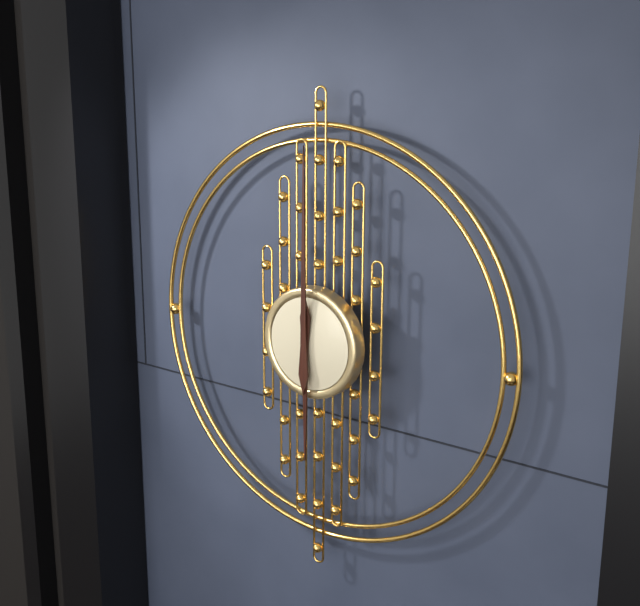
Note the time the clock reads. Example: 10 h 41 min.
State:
6 h 00 min
